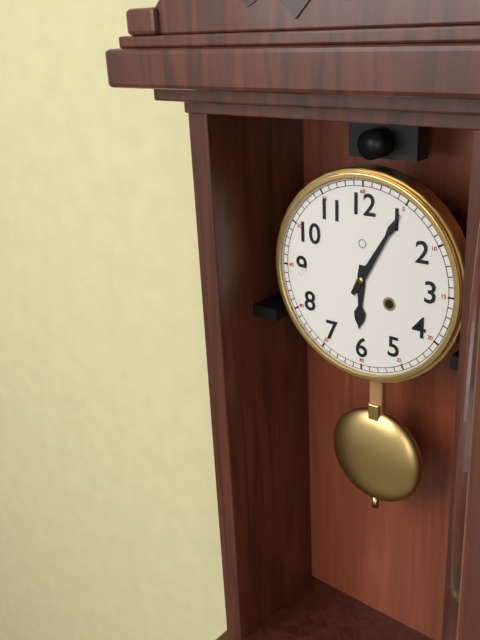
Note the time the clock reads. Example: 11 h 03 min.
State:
6 h 05 min
